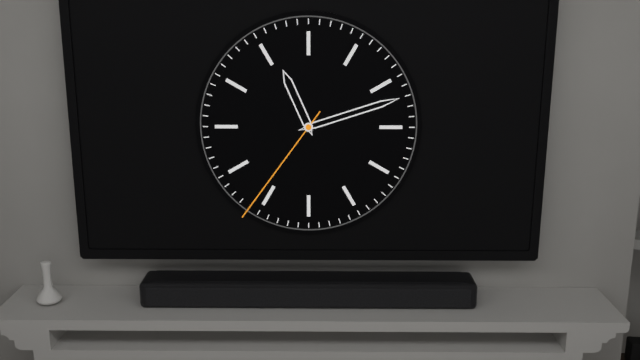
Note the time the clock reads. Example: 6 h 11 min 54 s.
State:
11 h 12 min 36 s
